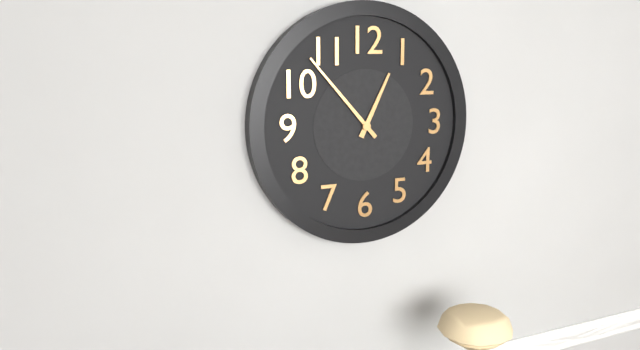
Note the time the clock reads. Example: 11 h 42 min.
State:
12 h 53 min
